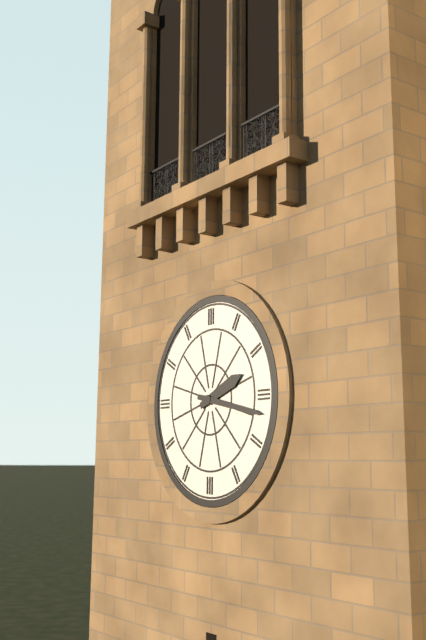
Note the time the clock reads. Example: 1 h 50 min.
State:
2 h 17 min
